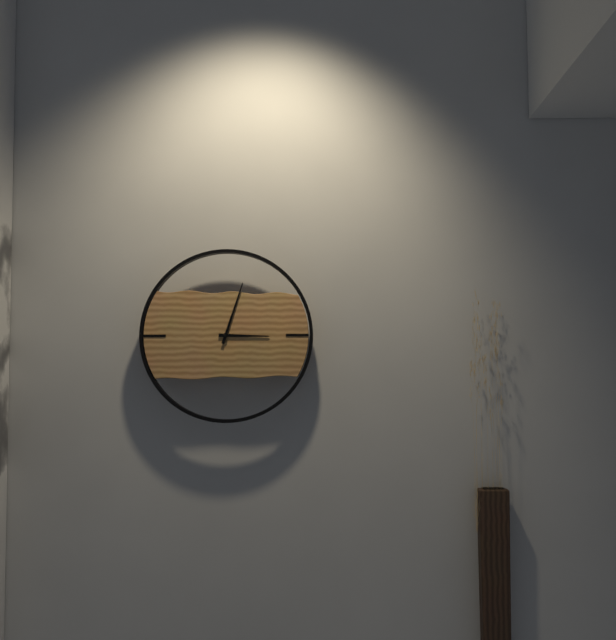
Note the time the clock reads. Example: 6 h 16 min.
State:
3 h 03 min
